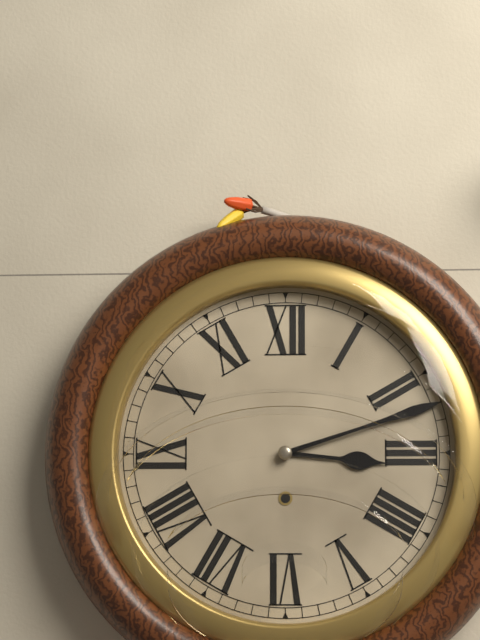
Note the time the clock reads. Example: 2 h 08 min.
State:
3 h 12 min
